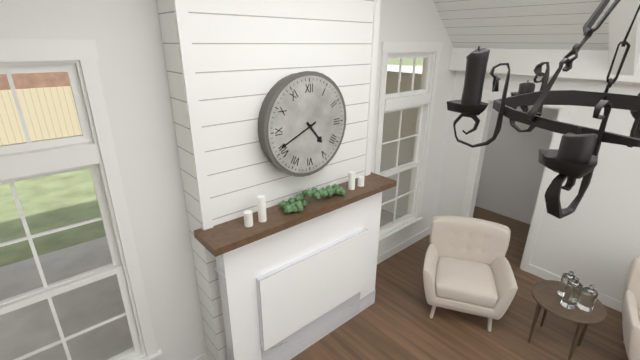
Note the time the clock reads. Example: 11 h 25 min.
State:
4 h 41 min
